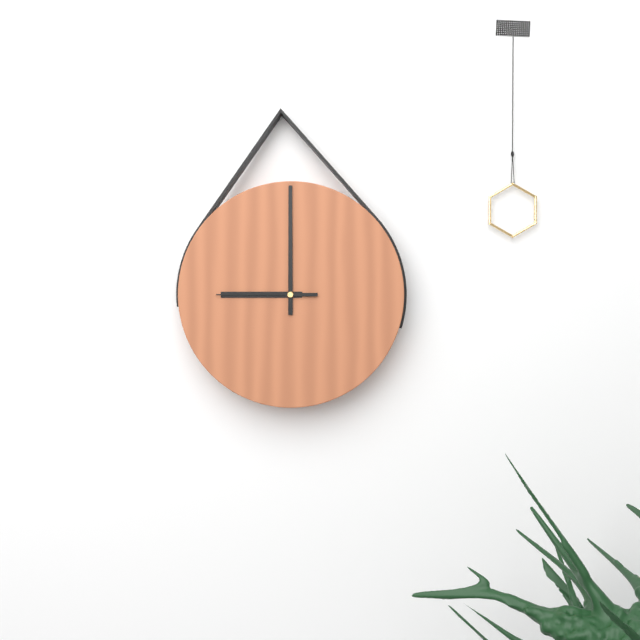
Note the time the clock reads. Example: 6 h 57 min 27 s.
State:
9 h 00 min 45 s
